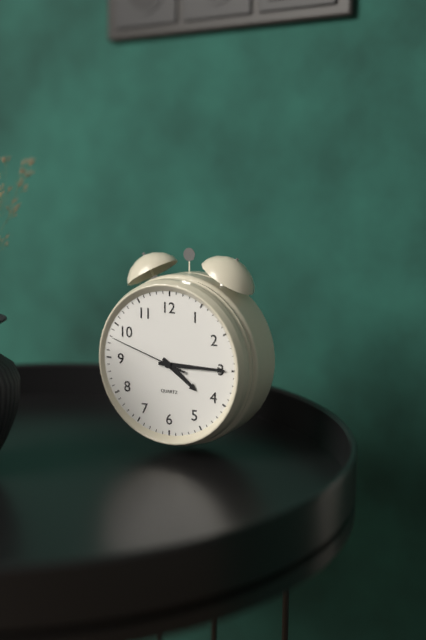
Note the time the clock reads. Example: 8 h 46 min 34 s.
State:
4 h 15 min 48 s
